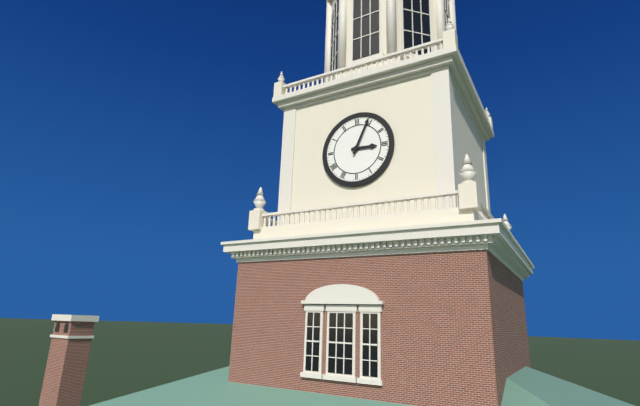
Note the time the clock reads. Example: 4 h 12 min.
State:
3 h 04 min
